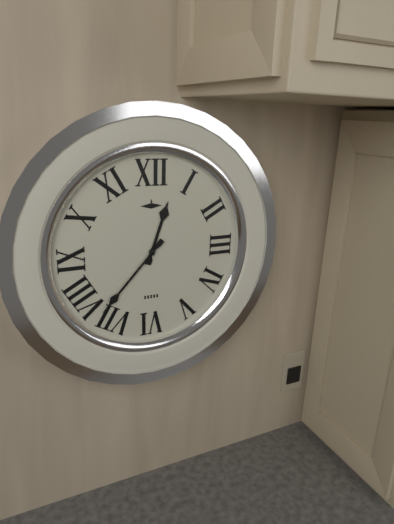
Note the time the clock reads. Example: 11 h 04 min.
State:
12 h 37 min
